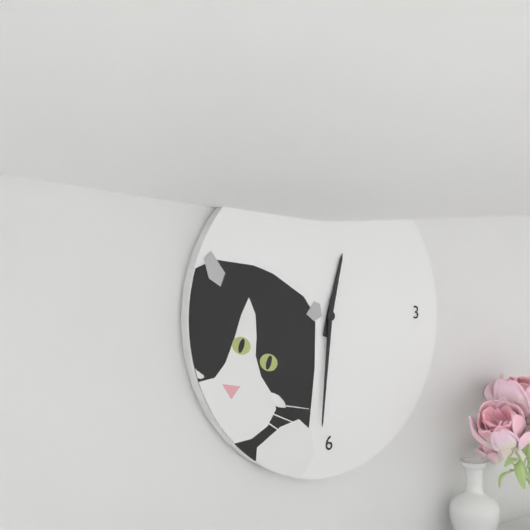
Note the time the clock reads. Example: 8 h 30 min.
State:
12 h 31 min
